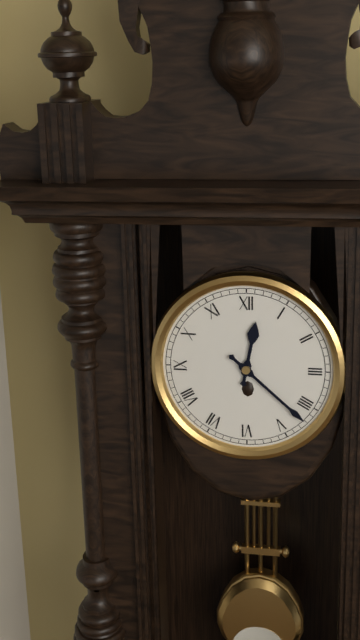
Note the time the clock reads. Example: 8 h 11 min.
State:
12 h 22 min
